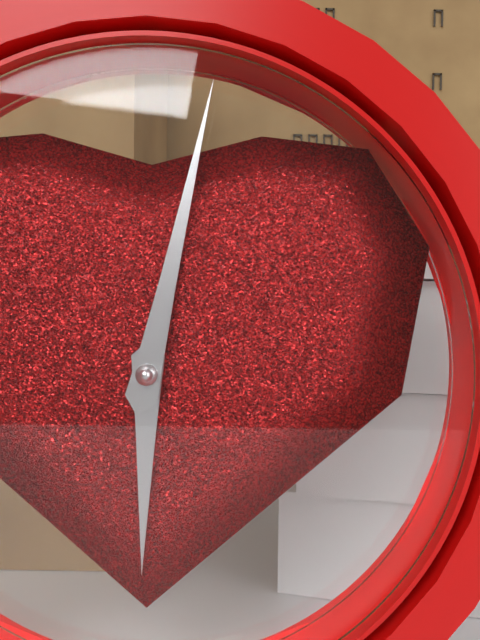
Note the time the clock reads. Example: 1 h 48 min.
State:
6 h 02 min
